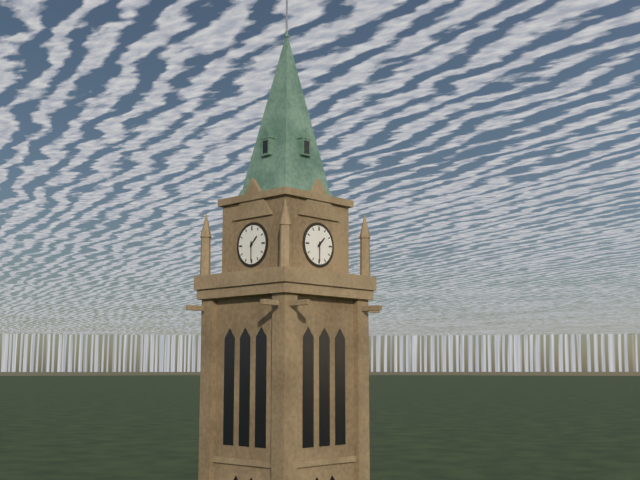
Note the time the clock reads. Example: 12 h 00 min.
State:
1 h 30 min
